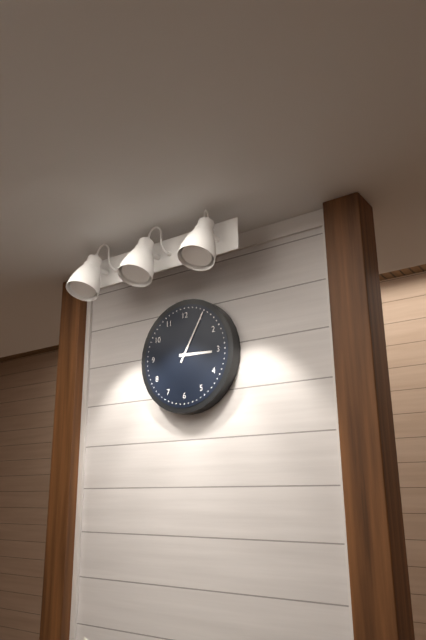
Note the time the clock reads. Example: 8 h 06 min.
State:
3 h 05 min
